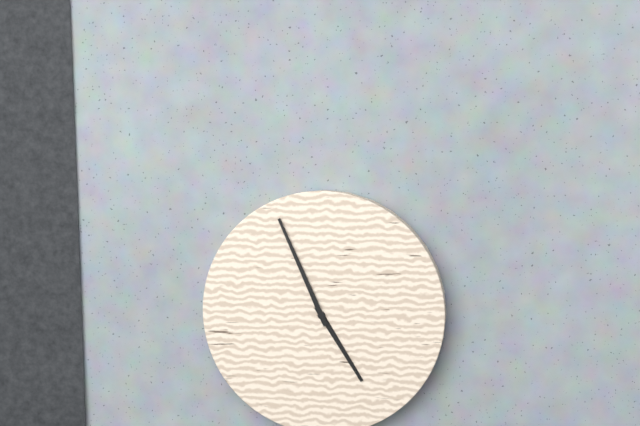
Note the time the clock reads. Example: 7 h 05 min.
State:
4 h 56 min
